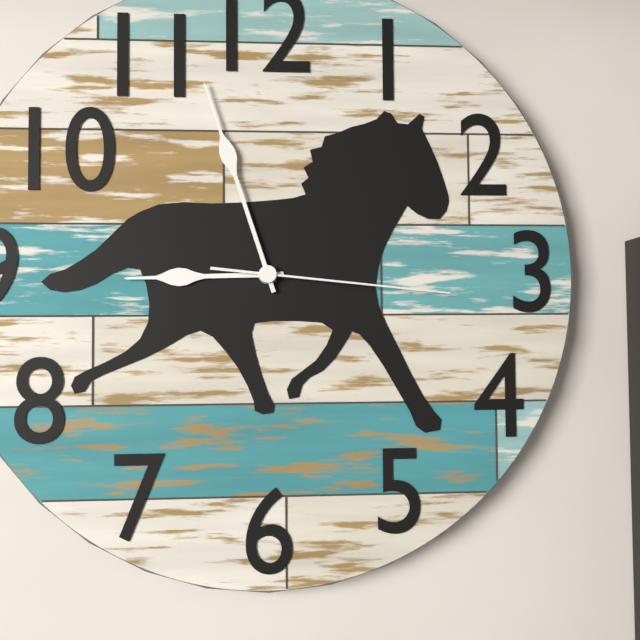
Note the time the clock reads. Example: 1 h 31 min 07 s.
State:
8 h 57 min 16 s
